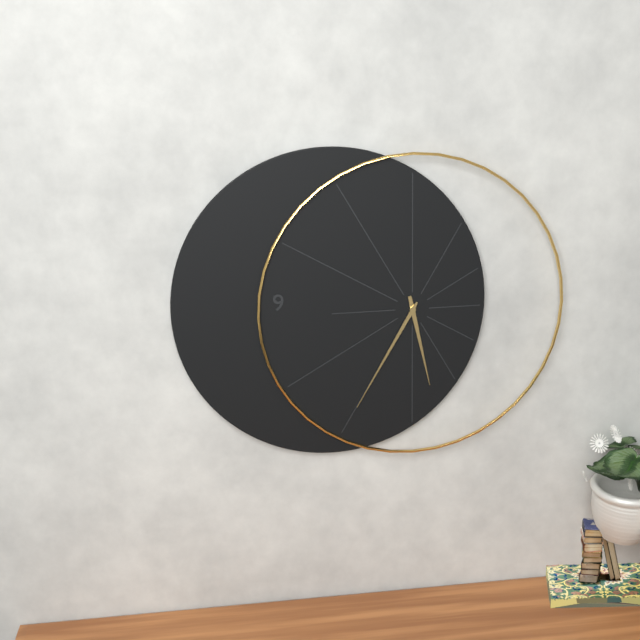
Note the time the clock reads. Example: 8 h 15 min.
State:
5 h 35 min
